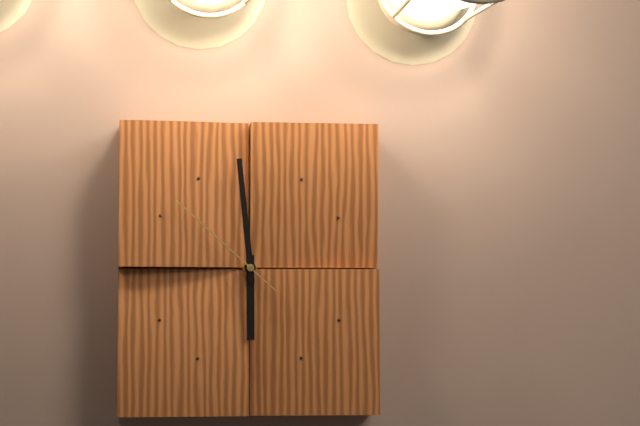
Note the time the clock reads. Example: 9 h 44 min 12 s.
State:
5 h 59 min 52 s
